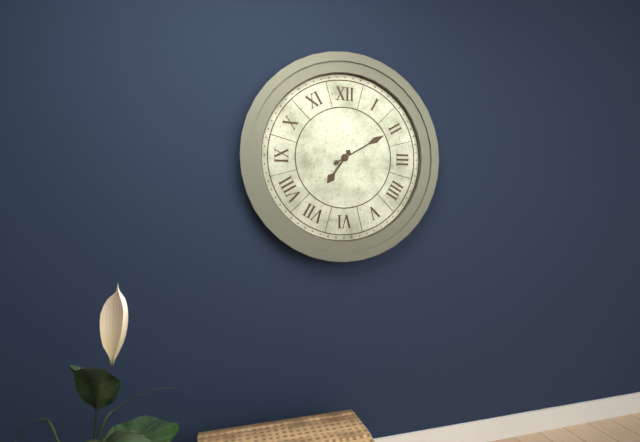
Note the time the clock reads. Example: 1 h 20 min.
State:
7 h 10 min
